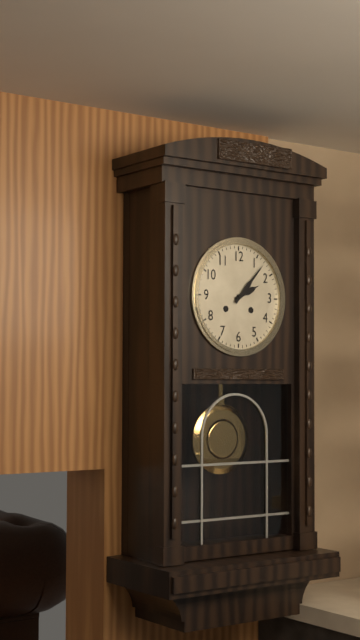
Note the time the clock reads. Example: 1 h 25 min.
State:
2 h 07 min
